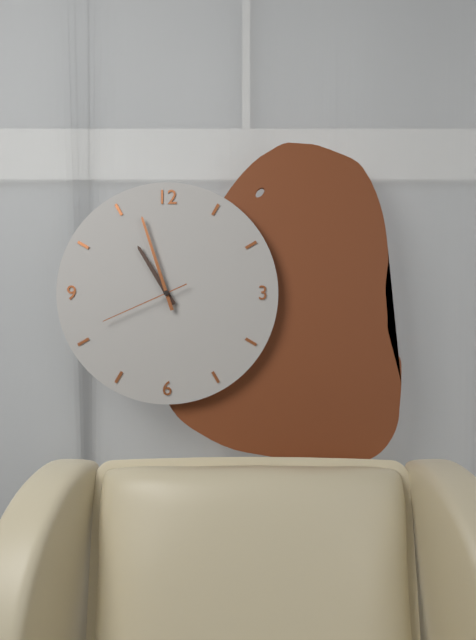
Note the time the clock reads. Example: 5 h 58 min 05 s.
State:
10 h 57 min 41 s
